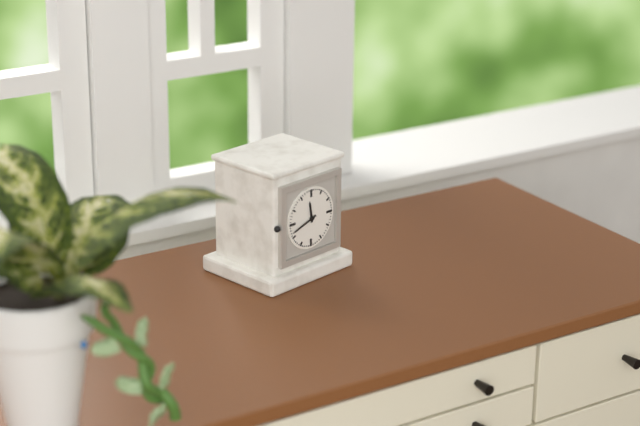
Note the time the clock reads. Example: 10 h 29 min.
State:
11 h 42 min
